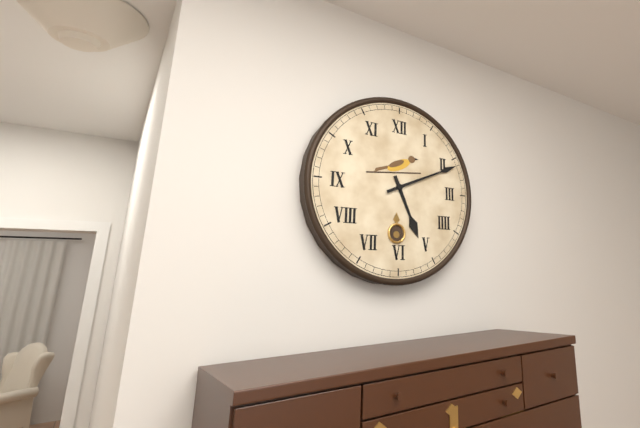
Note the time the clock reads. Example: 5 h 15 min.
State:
5 h 11 min
